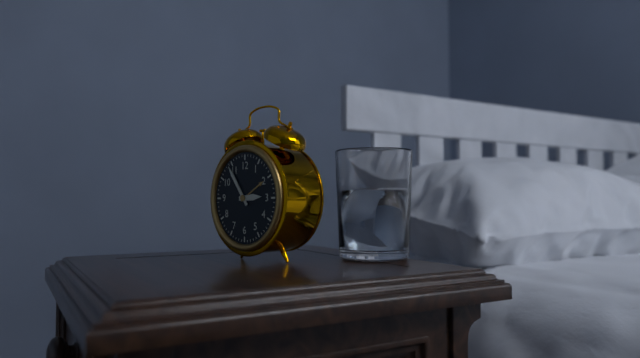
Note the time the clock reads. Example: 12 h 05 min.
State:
2 h 54 min
